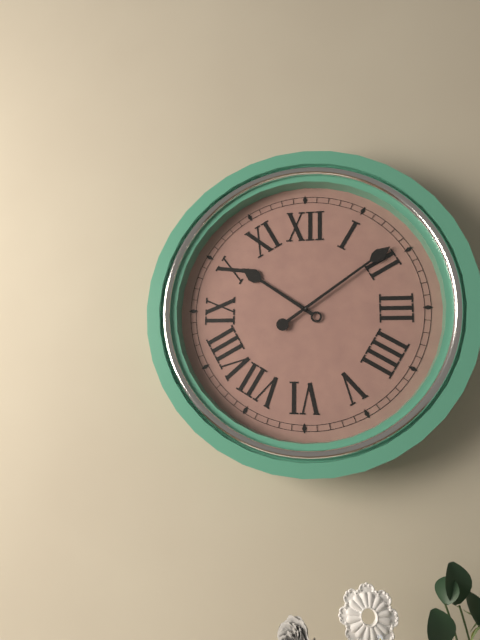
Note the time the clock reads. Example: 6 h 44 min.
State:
10 h 09 min
